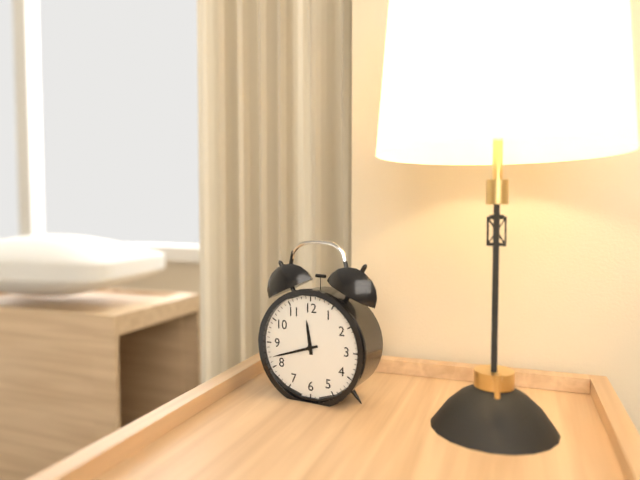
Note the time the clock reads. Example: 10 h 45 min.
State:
11 h 42 min
